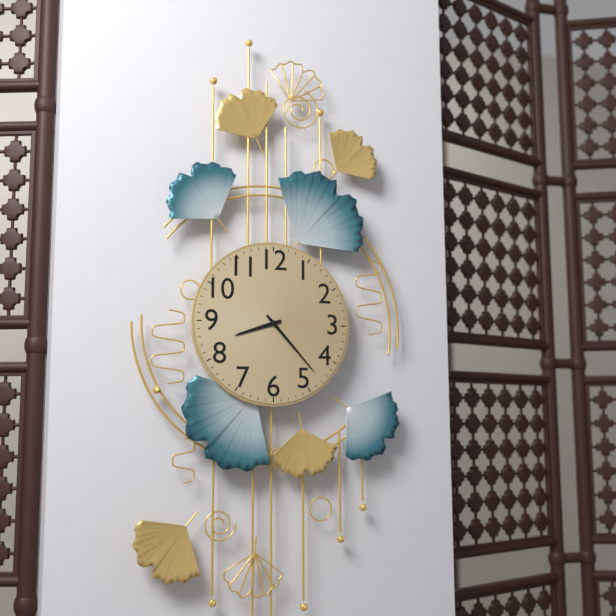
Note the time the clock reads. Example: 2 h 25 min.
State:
8 h 23 min
